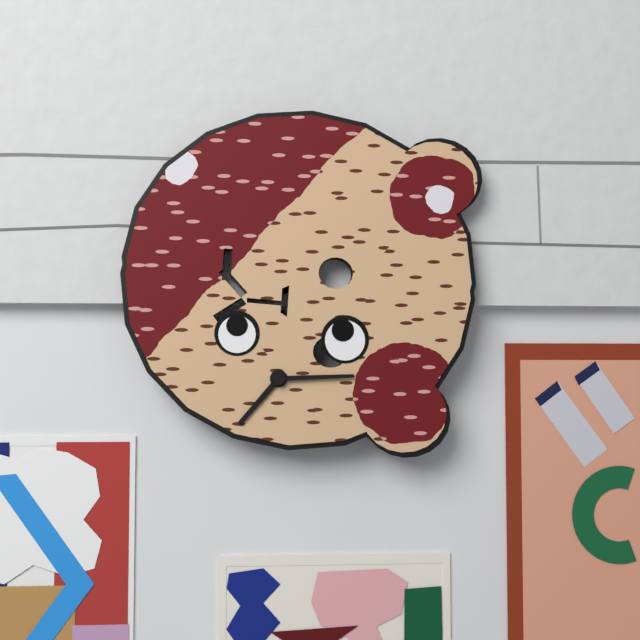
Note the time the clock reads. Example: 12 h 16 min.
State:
7 h 14 min
